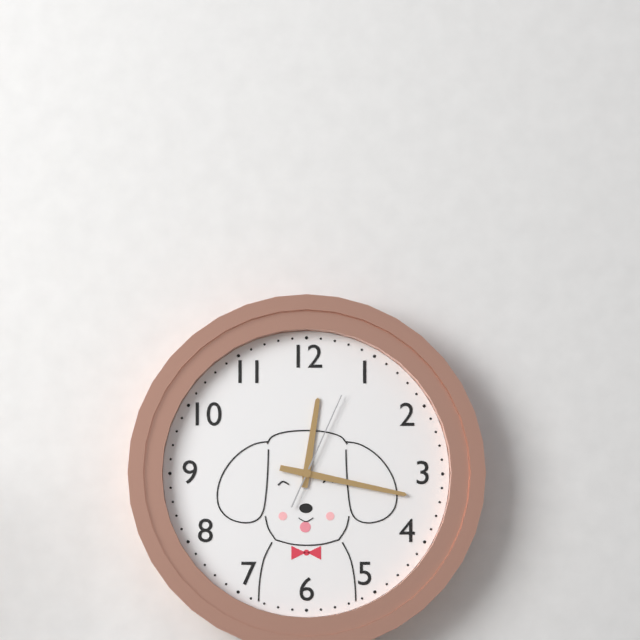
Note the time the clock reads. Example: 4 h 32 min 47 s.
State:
12 h 17 min 04 s
